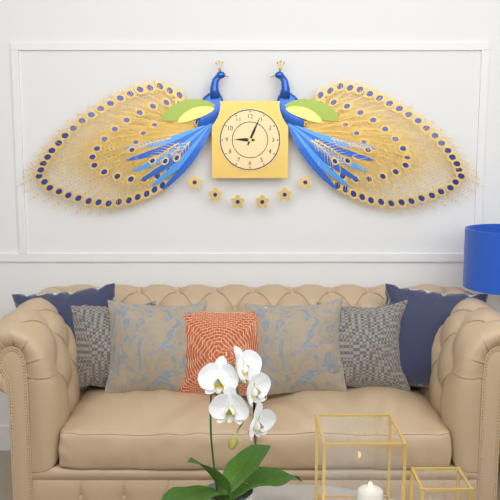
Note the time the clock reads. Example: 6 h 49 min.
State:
9 h 04 min
